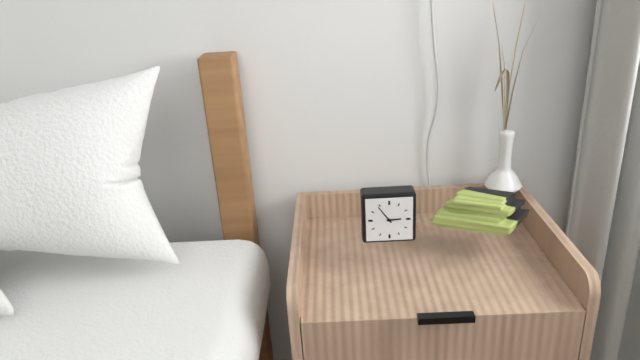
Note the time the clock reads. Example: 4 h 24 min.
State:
2 h 54 min
